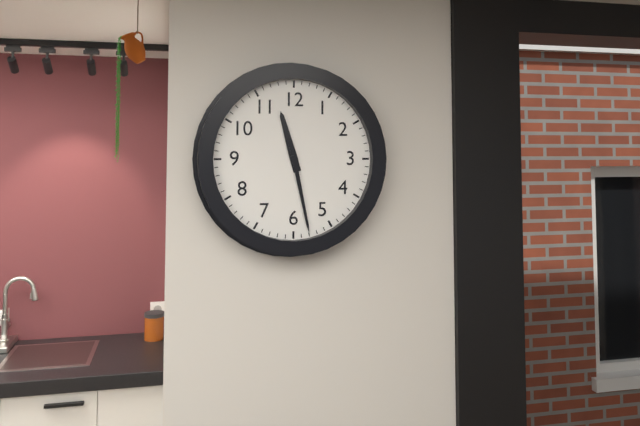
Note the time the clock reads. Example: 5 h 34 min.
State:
11 h 28 min
